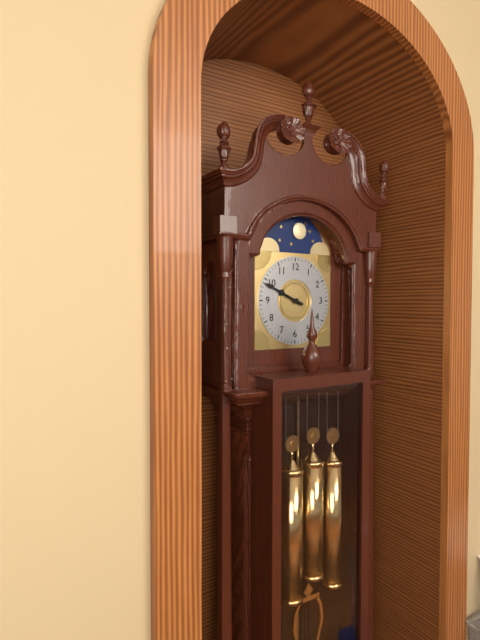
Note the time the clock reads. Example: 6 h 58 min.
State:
9 h 49 min
